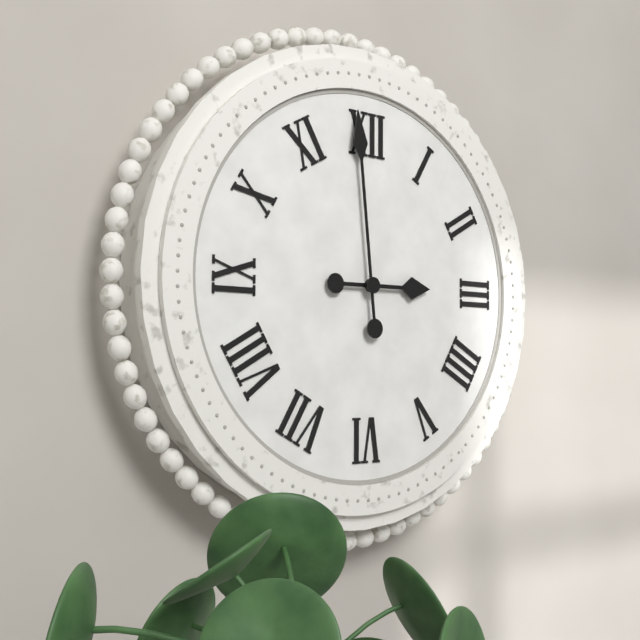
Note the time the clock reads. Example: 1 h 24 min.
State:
2 h 59 min
